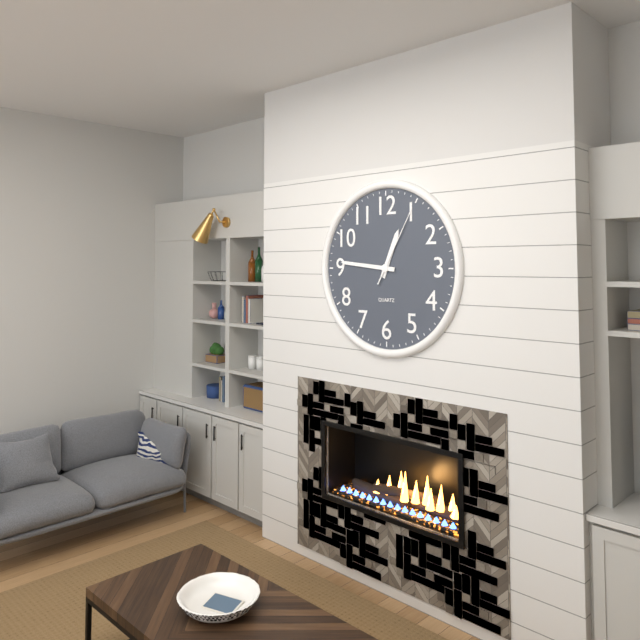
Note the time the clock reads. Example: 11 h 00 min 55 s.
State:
12 h 46 min 05 s
